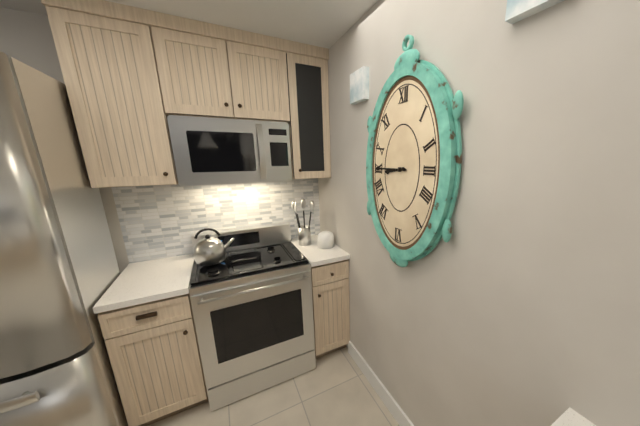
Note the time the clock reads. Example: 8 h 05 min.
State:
8 h 45 min
